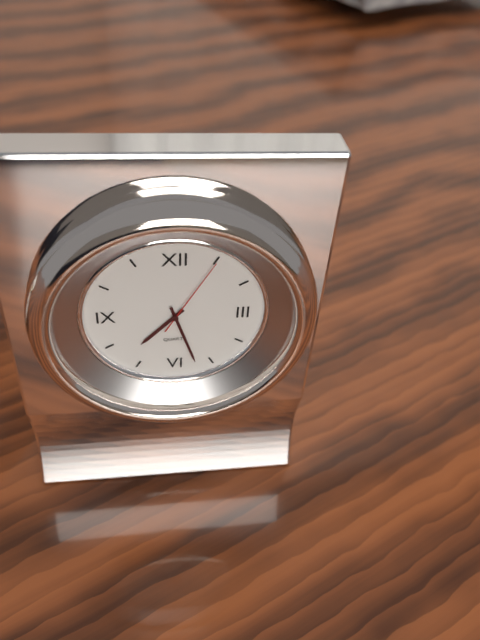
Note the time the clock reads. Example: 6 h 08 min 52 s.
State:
7 h 27 min 05 s
